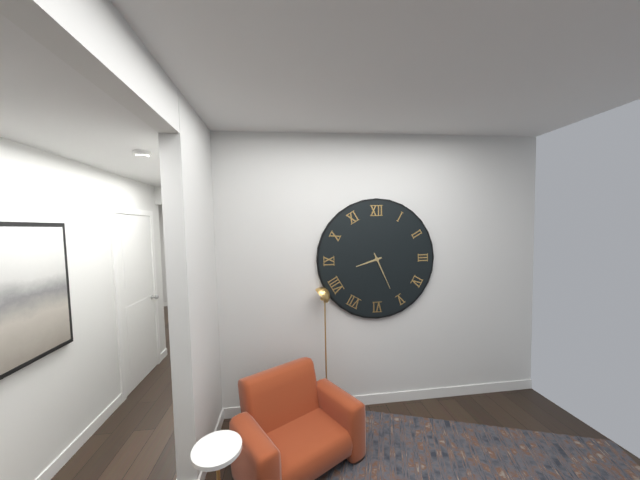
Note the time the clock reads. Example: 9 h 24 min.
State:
8 h 26 min
